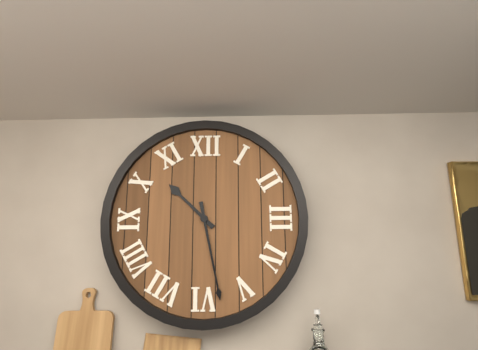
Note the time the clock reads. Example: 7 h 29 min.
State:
10 h 28 min
